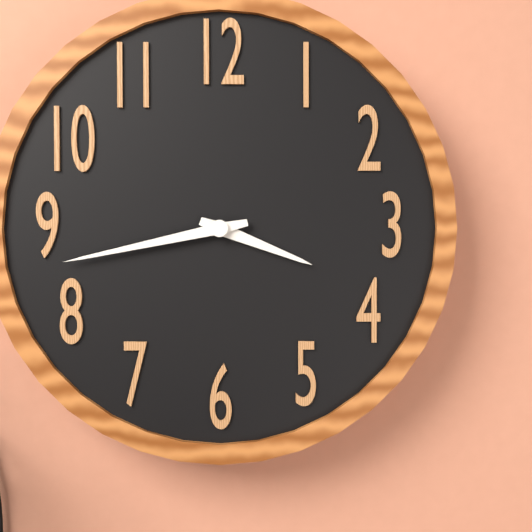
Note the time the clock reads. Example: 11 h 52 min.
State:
3 h 43 min
